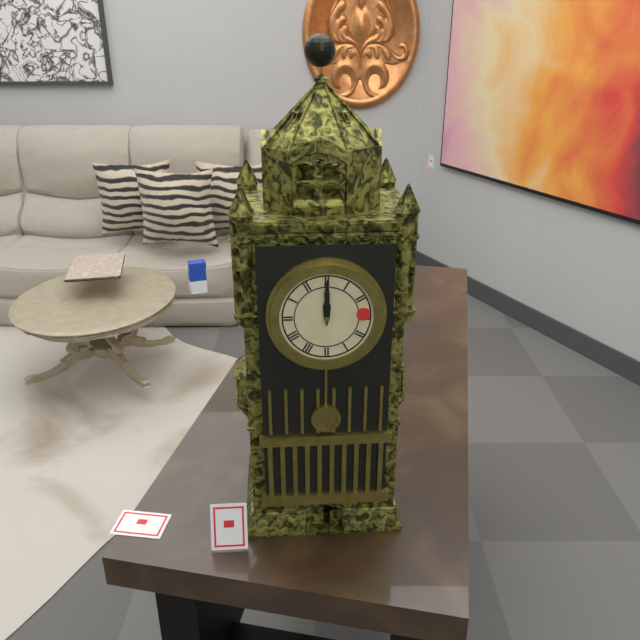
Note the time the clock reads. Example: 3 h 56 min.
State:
12 h 00 min
